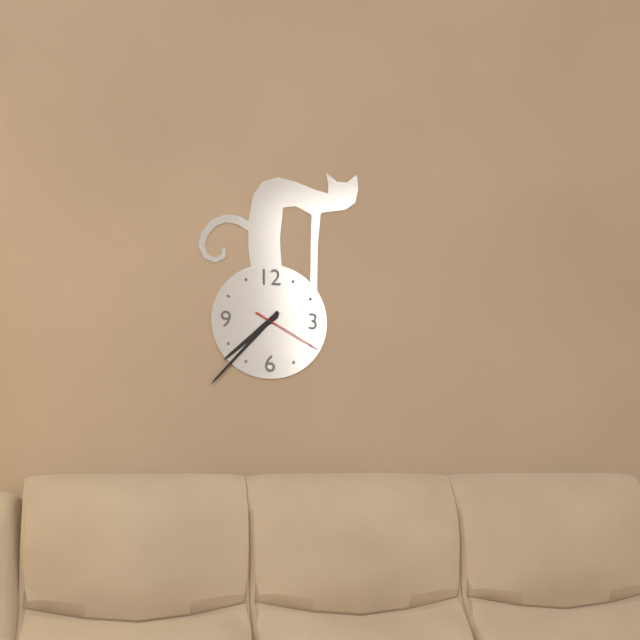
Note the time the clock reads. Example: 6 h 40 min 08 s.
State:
7 h 37 min 20 s
